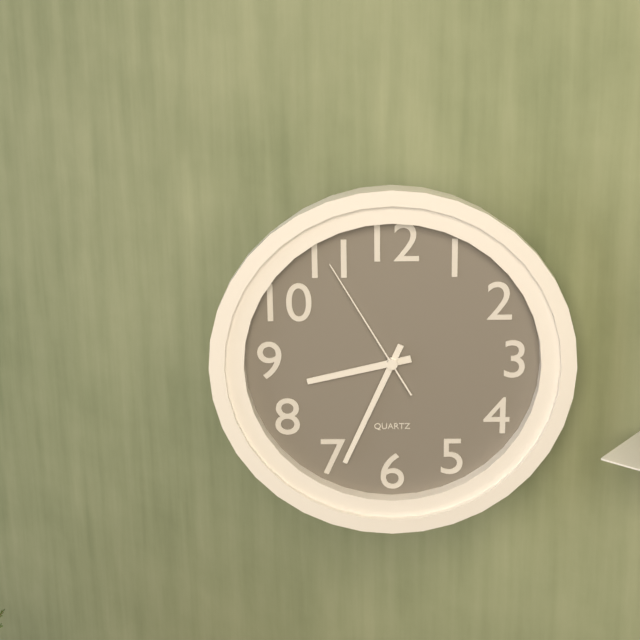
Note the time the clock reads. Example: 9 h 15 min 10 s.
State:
8 h 34 min 55 s
